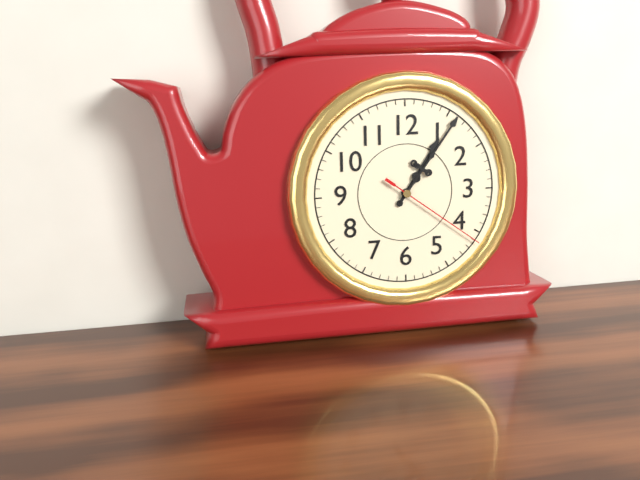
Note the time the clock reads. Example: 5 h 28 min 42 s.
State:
1 h 06 min 21 s
